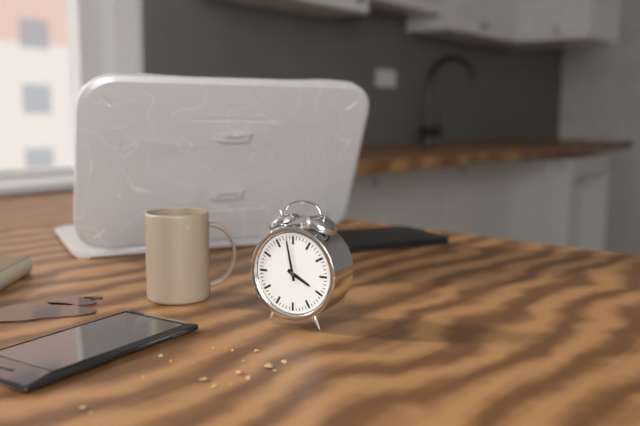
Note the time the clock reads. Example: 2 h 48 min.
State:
3 h 58 min
